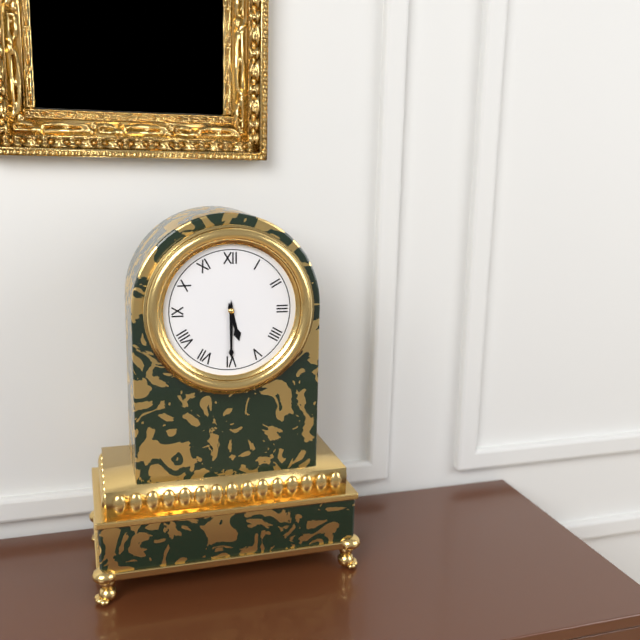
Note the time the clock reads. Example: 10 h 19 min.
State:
5 h 30 min
